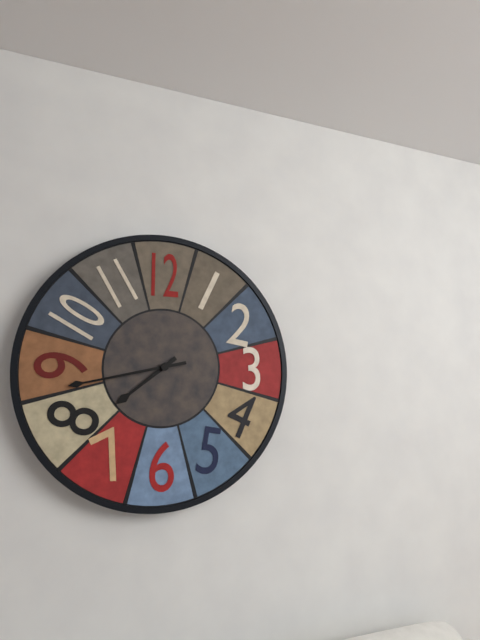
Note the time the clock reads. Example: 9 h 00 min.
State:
7 h 43 min
